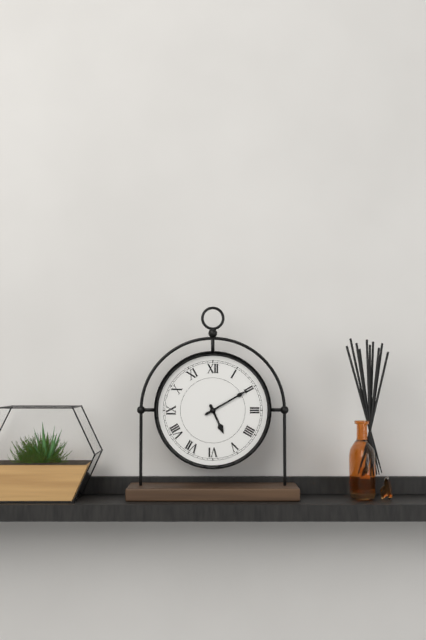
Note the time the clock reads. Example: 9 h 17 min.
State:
5 h 10 min
